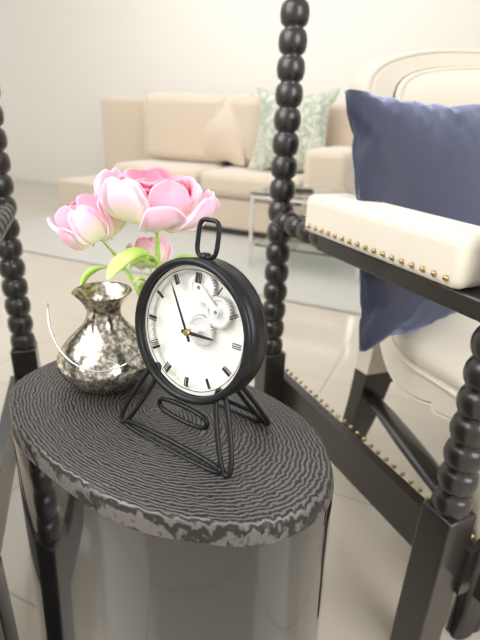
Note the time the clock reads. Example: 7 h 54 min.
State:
2 h 55 min
